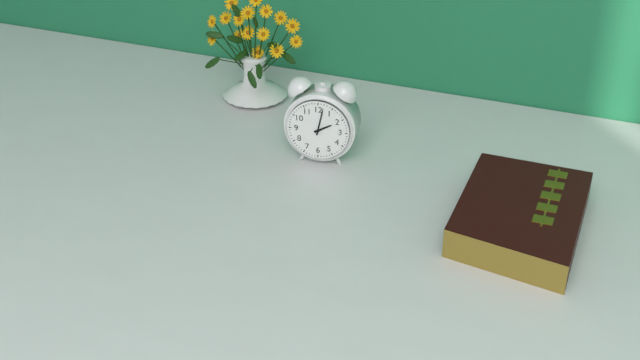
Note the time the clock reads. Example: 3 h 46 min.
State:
2 h 02 min
